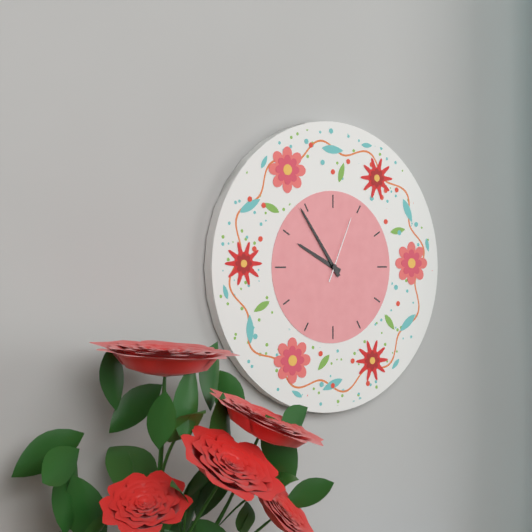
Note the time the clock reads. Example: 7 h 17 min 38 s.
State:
9 h 54 min 04 s
